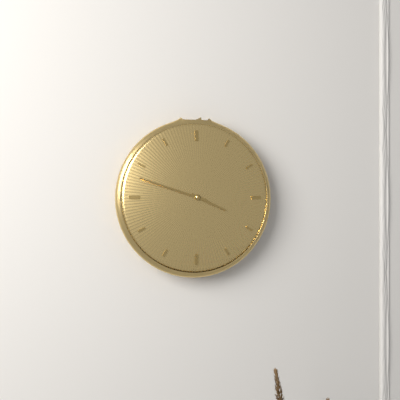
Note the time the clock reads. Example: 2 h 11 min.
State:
3 h 48 min
